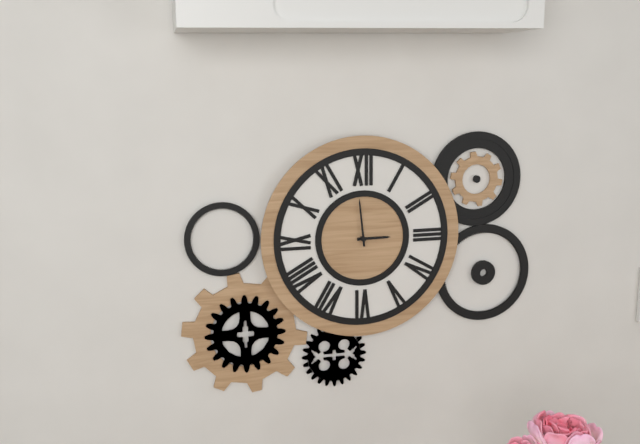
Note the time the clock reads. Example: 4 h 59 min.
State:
2 h 59 min
